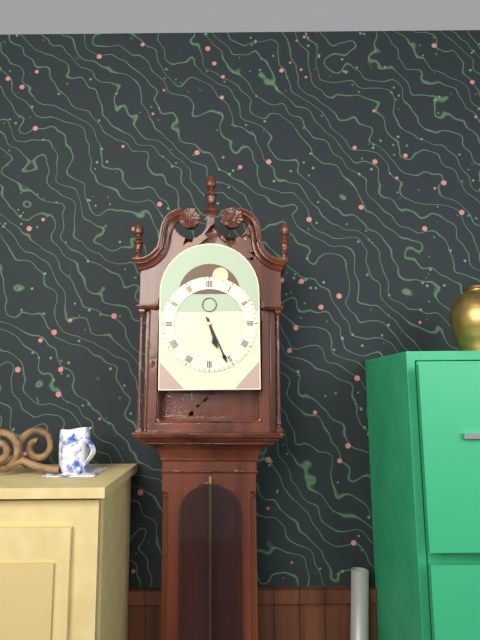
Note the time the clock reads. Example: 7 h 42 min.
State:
5 h 26 min
